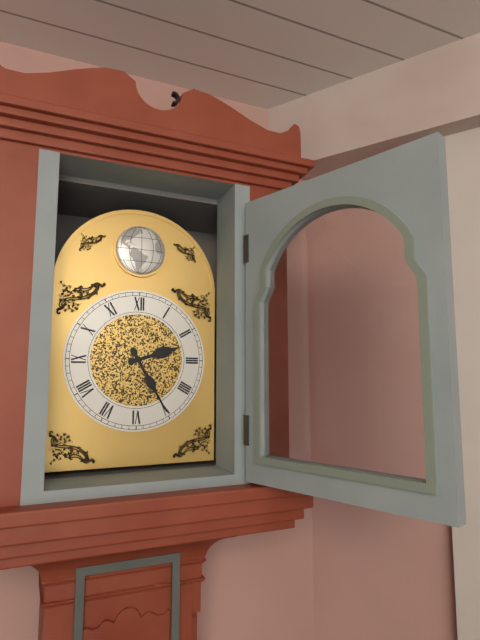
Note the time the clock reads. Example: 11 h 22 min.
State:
2 h 25 min
